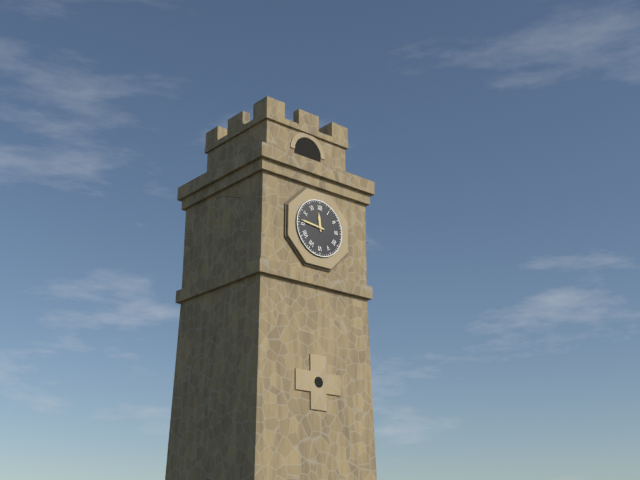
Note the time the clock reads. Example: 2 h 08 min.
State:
11 h 46 min
